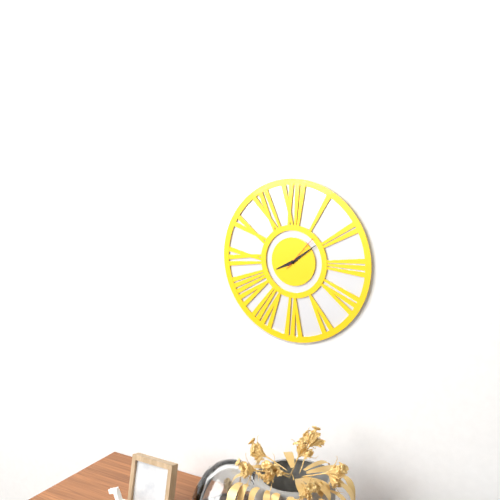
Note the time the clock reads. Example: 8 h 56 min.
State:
8 h 09 min
